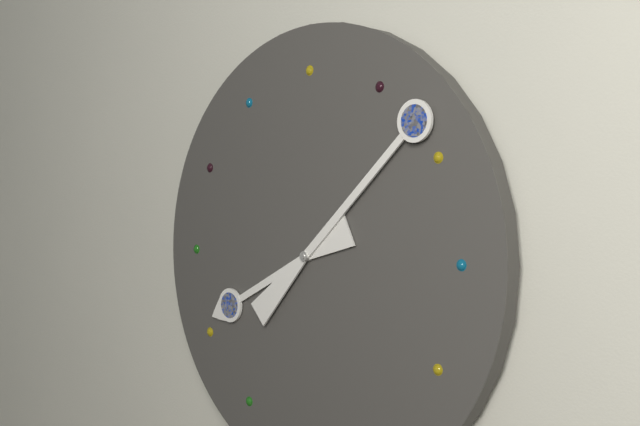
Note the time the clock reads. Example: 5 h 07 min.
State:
8 h 08 min
